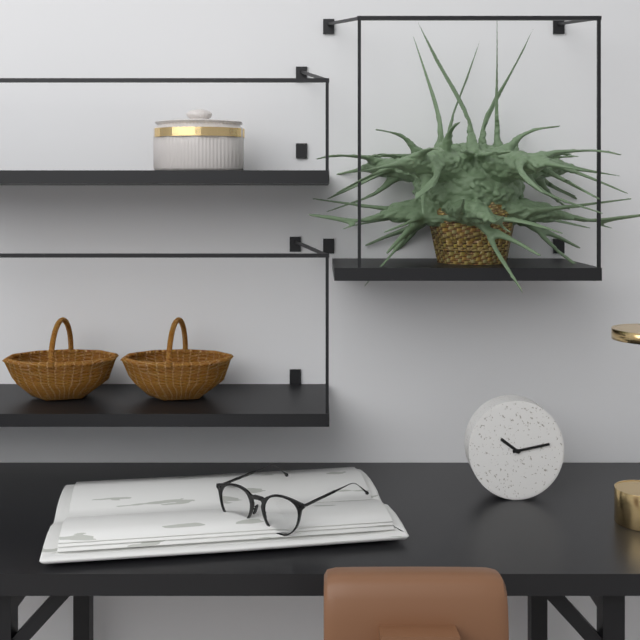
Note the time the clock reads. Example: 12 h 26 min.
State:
10 h 13 min
